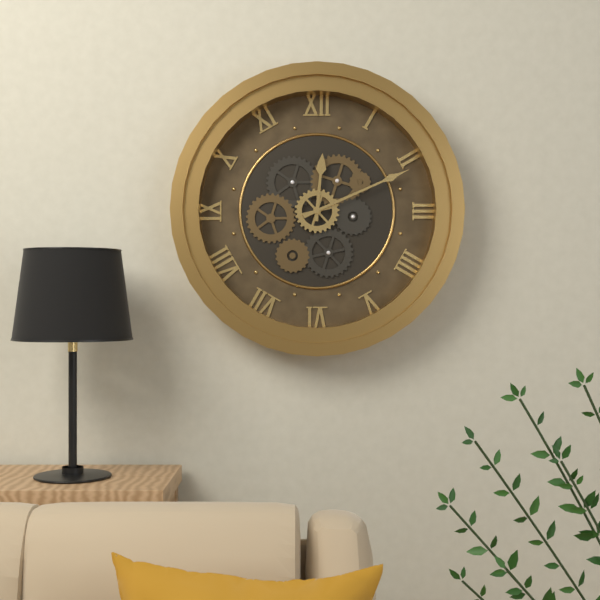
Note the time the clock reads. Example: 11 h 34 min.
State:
12 h 11 min
